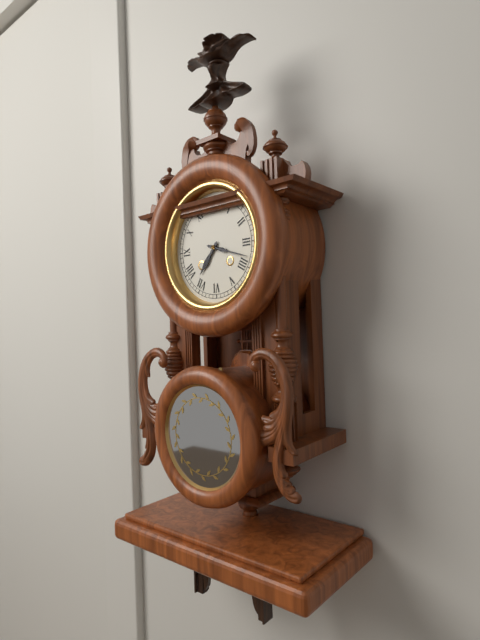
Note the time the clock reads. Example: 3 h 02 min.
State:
7 h 18 min
